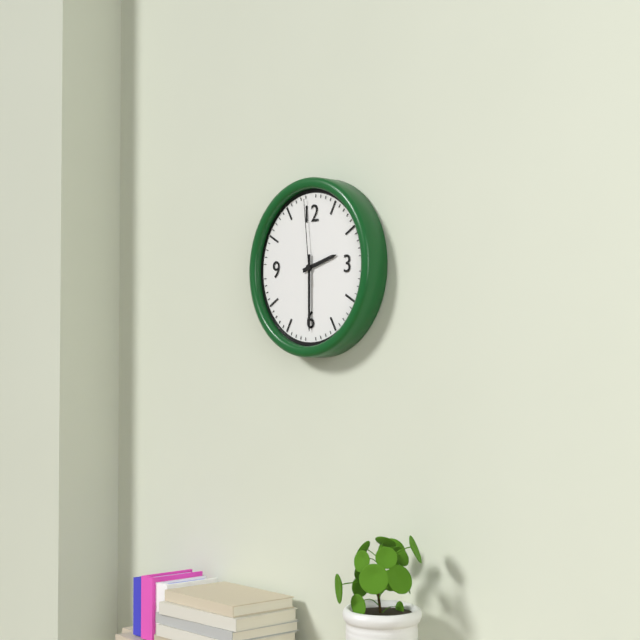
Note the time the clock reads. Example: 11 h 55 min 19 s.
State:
2 h 30 min 59 s
